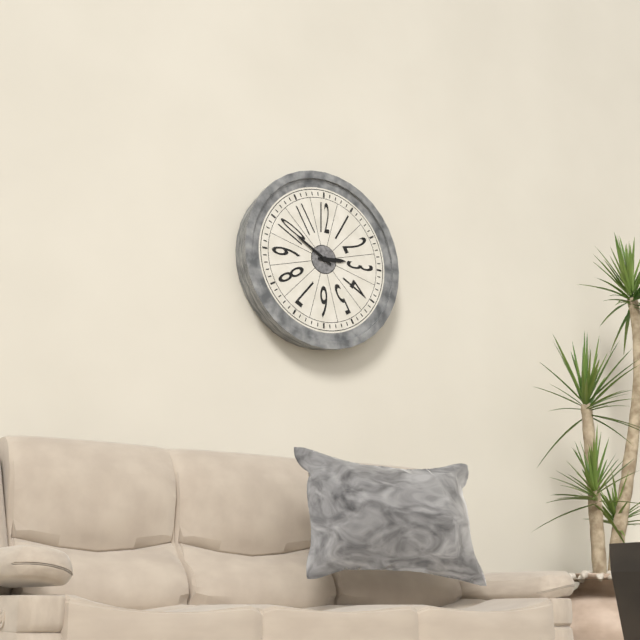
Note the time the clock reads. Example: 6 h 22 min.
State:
2 h 50 min
